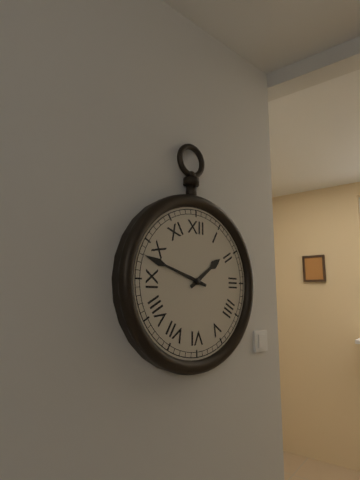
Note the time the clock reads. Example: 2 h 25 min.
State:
1 h 48 min
